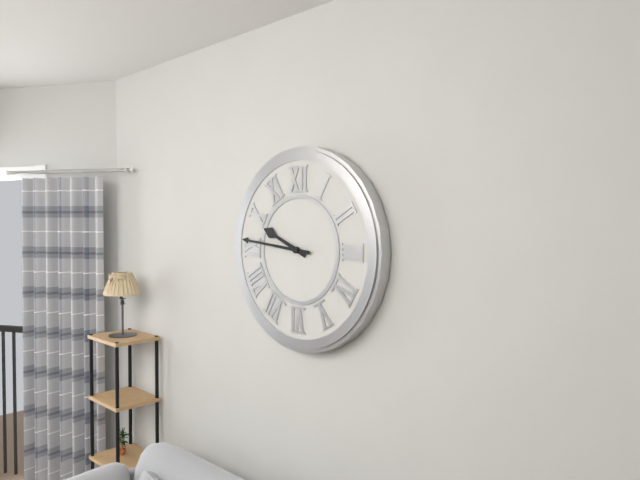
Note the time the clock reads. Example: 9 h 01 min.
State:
9 h 46 min
